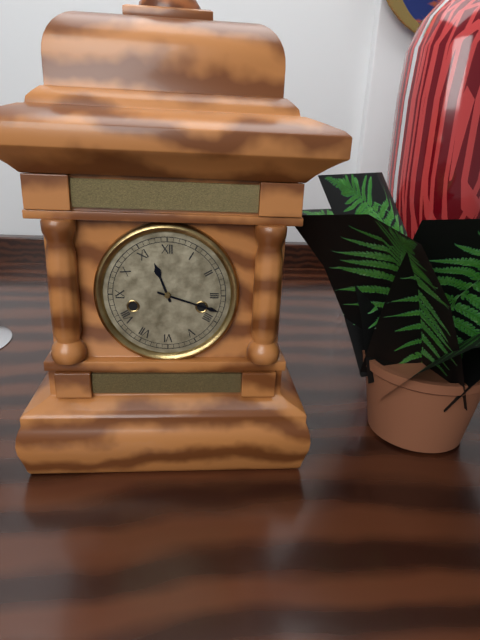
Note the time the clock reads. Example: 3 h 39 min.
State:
11 h 18 min
